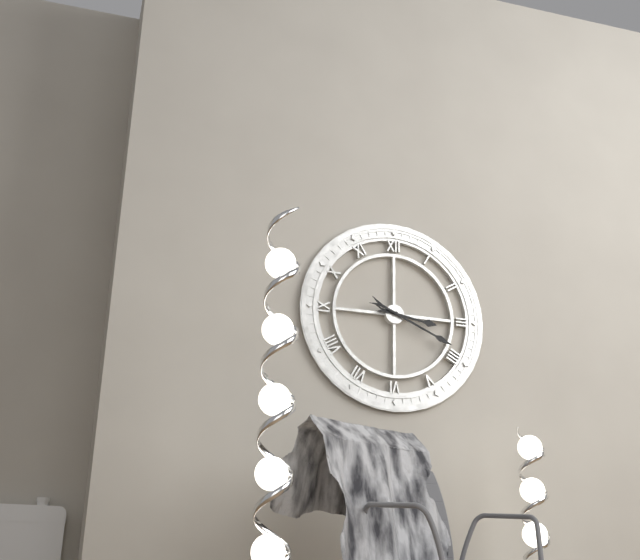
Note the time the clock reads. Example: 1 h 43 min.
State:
3 h 19 min
